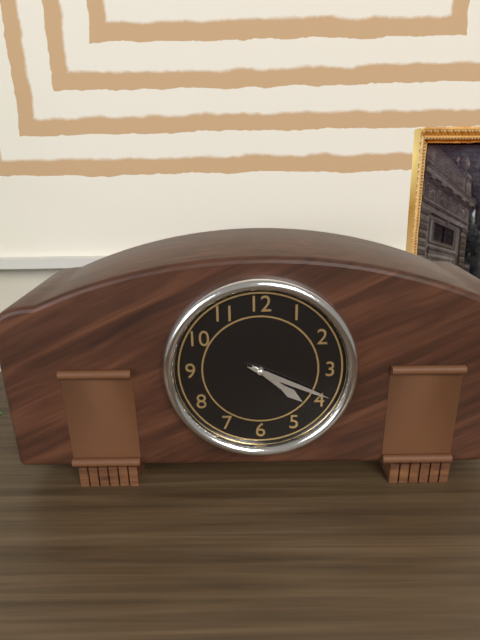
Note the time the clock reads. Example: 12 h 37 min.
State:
4 h 19 min
